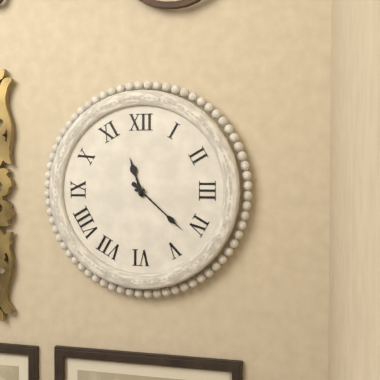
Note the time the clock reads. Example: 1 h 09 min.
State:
11 h 22 min
